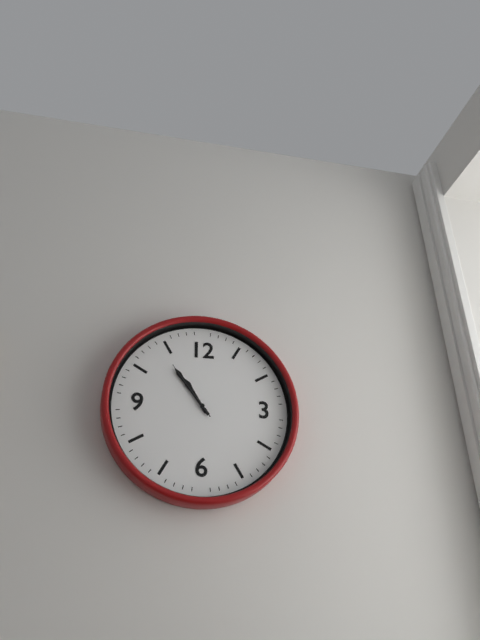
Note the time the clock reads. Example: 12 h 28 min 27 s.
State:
10 h 54 min 54 s
